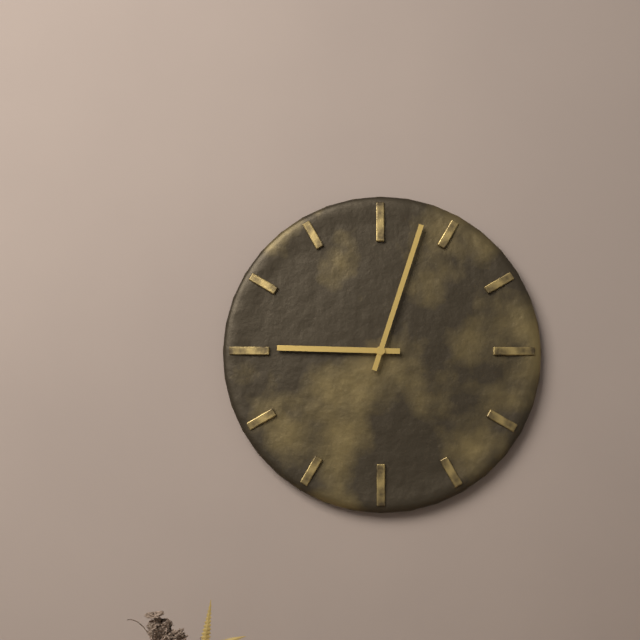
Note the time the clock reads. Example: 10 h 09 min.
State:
9 h 03 min
